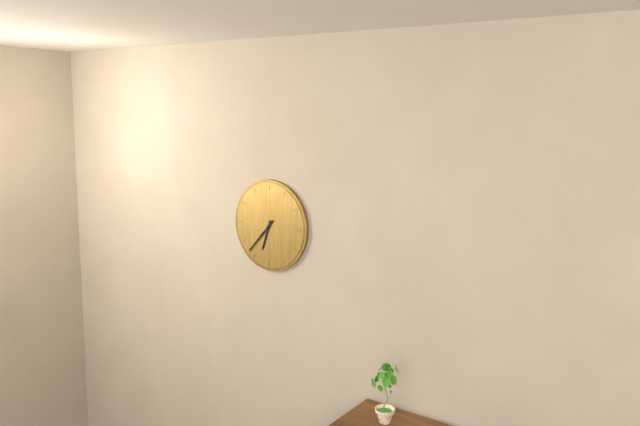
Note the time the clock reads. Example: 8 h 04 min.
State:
6 h 37 min
